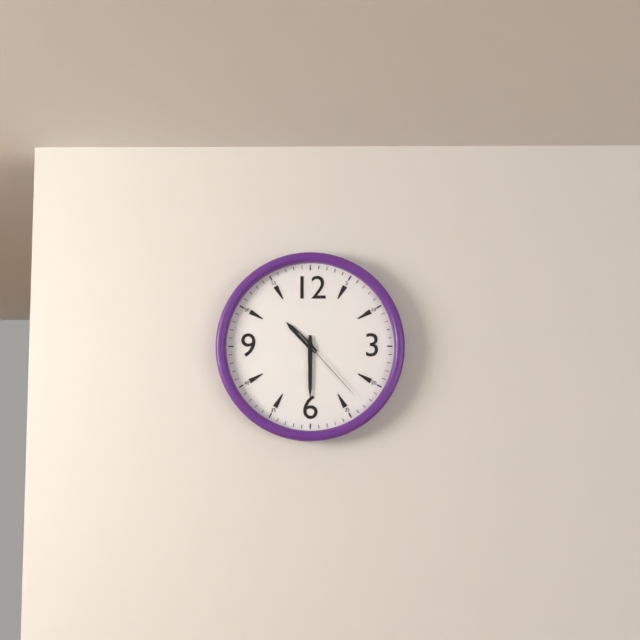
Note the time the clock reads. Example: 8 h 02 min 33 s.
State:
10 h 30 min 23 s
